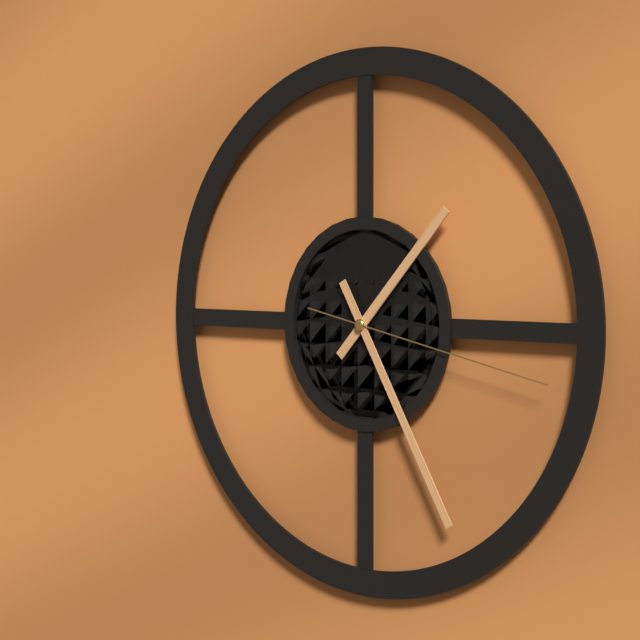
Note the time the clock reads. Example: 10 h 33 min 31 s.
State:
1 h 25 min 17 s
